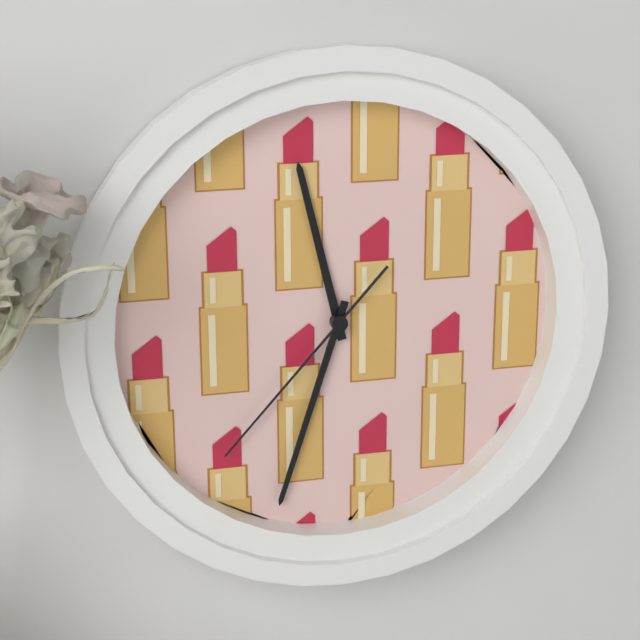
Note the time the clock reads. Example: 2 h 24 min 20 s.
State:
11 h 33 min 37 s
